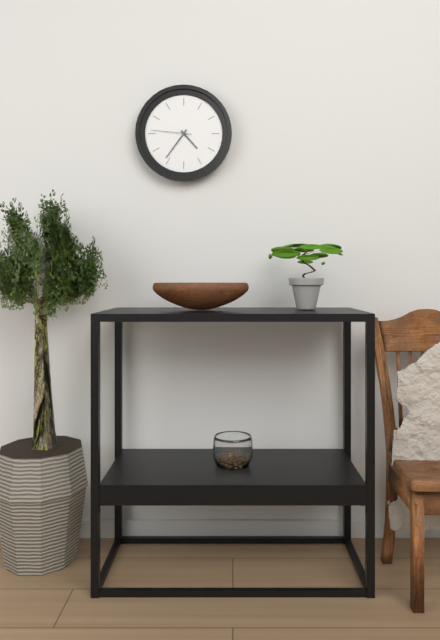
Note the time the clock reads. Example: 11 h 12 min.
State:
4 h 36 min
